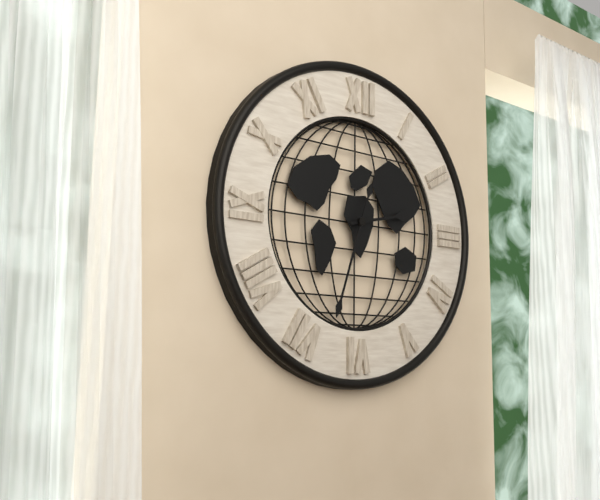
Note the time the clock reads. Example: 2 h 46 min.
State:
2 h 33 min
